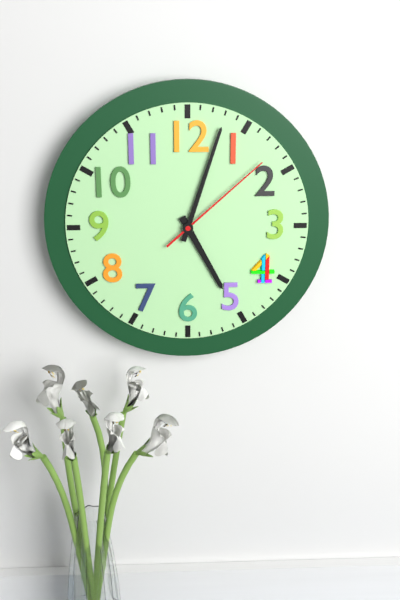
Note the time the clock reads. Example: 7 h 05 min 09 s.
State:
5 h 03 min 08 s
